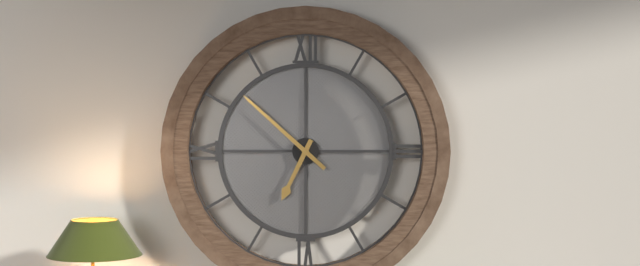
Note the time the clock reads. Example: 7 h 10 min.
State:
6 h 52 min
